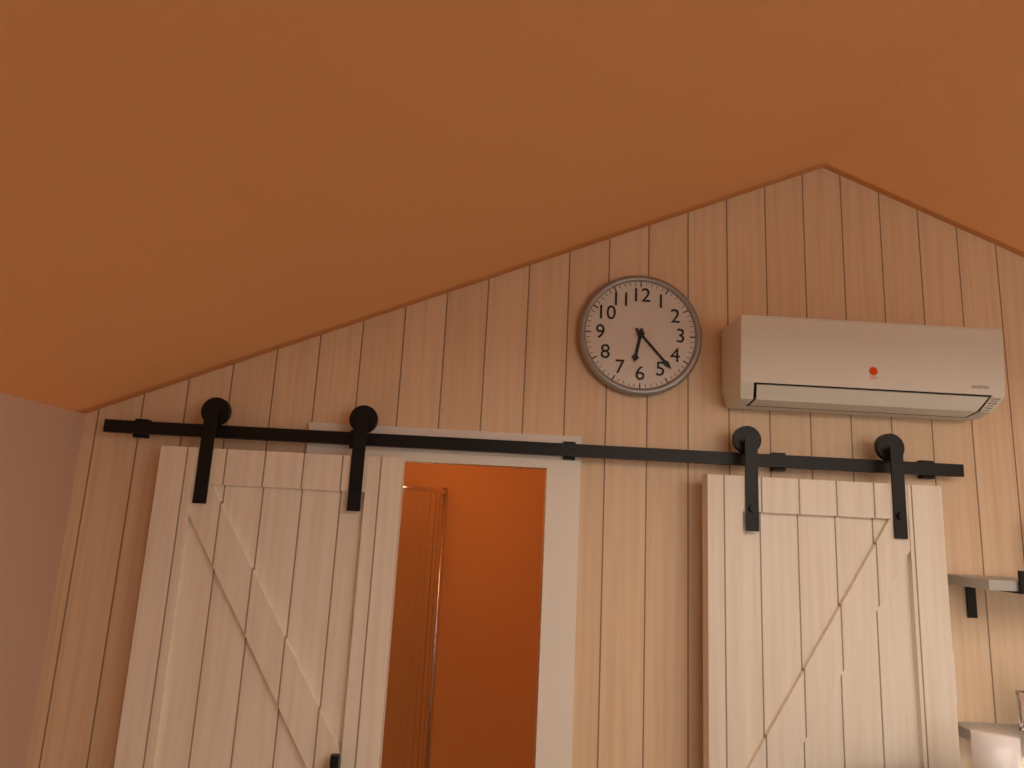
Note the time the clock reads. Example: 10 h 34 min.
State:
6 h 23 min
